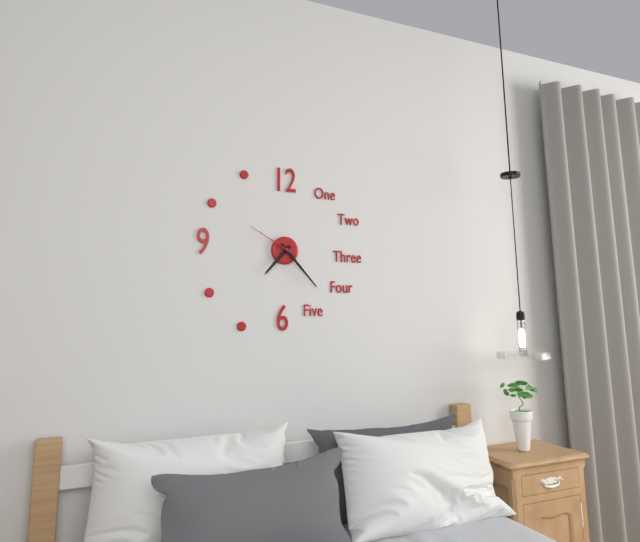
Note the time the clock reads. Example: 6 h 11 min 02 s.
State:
7 h 23 min 50 s
